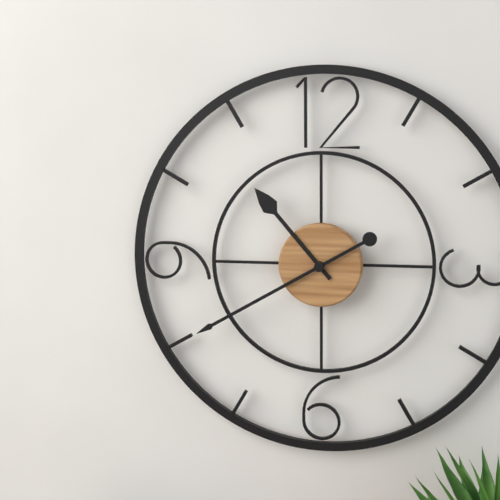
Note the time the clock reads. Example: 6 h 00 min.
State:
10 h 40 min
